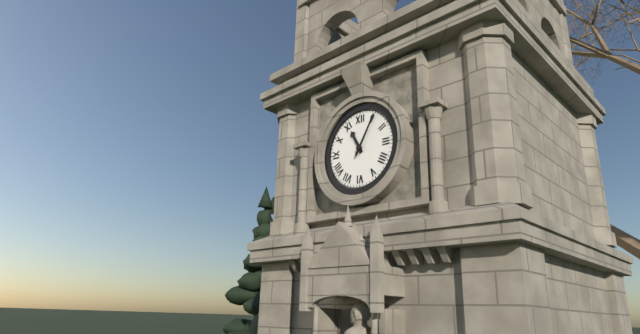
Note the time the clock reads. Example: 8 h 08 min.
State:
11 h 05 min
